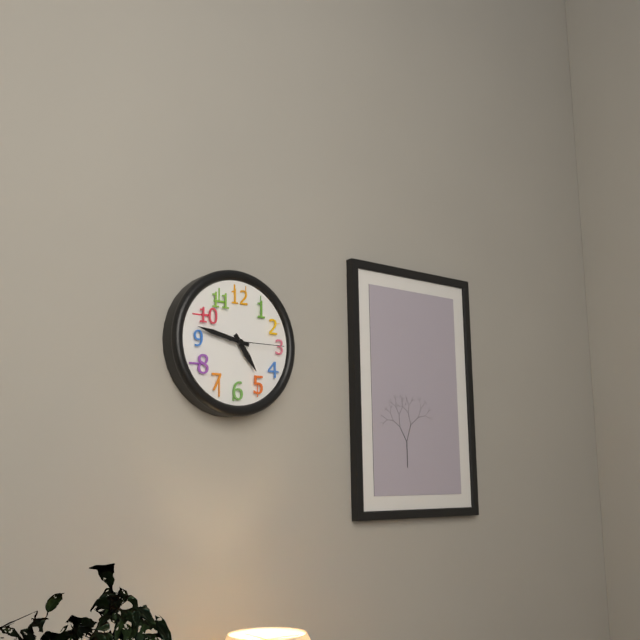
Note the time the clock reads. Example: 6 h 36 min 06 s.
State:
4 h 47 min 15 s
